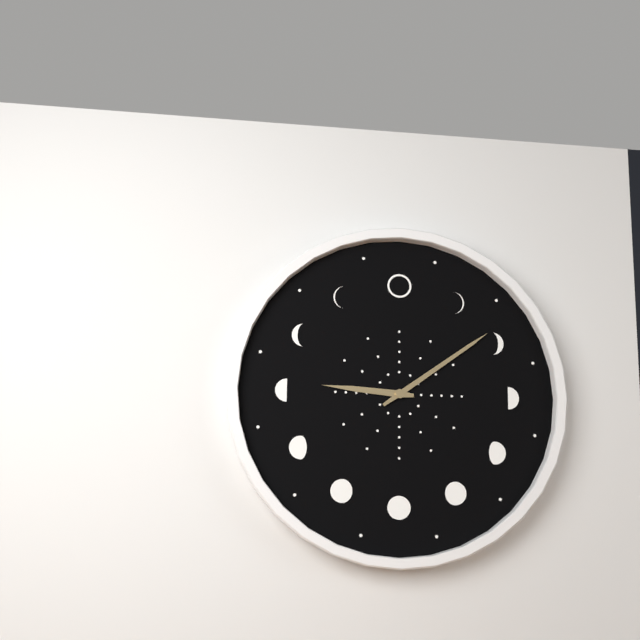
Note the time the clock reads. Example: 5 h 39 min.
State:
9 h 09 min
